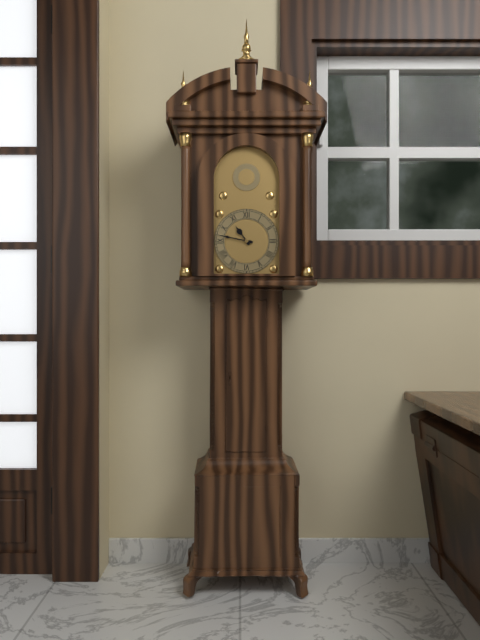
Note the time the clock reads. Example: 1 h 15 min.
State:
10 h 47 min
